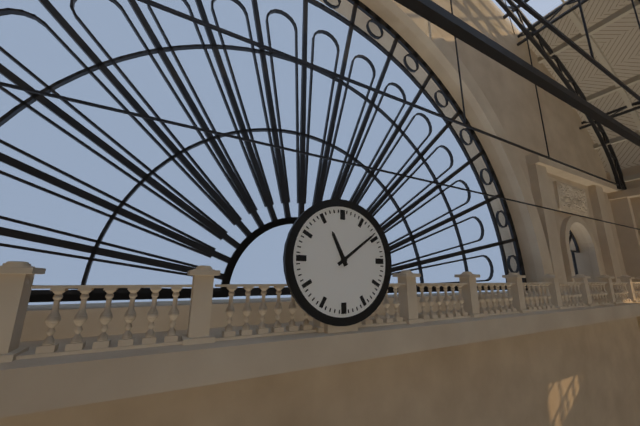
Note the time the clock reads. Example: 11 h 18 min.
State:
11 h 09 min
